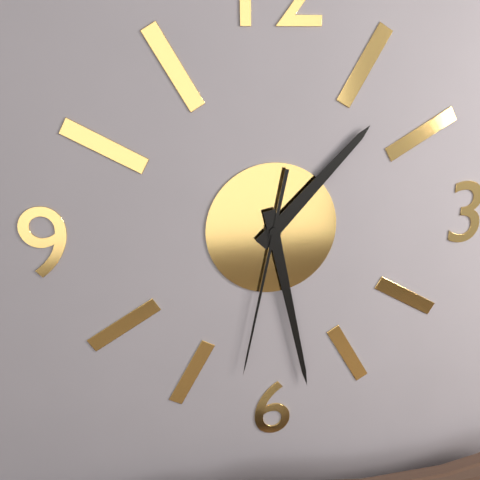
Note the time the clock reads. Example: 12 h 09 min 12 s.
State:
1 h 28 min 32 s
